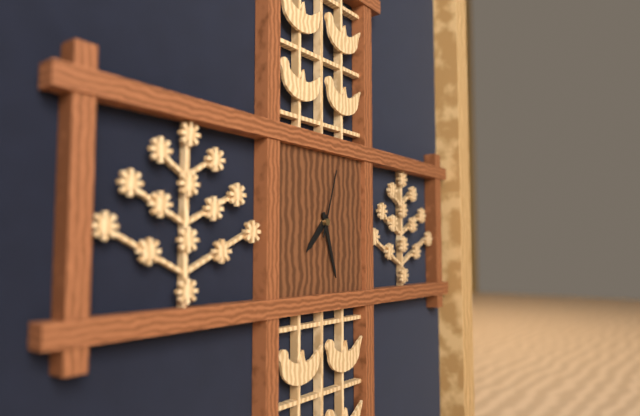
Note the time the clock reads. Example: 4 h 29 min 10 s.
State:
7 h 27 min 03 s
